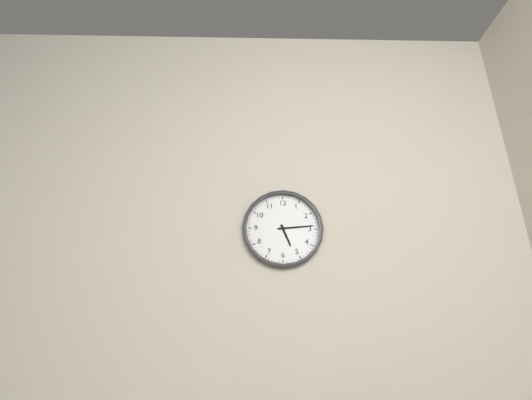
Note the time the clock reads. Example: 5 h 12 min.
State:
5 h 14 min
